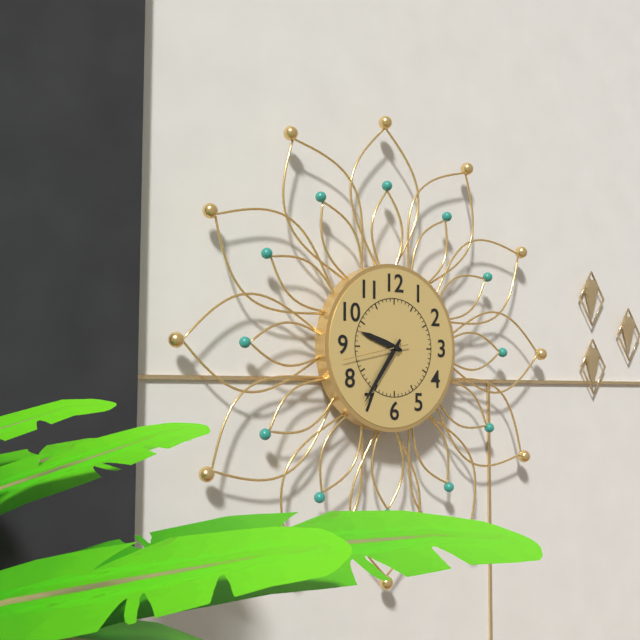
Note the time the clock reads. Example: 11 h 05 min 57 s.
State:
9 h 36 min 43 s
